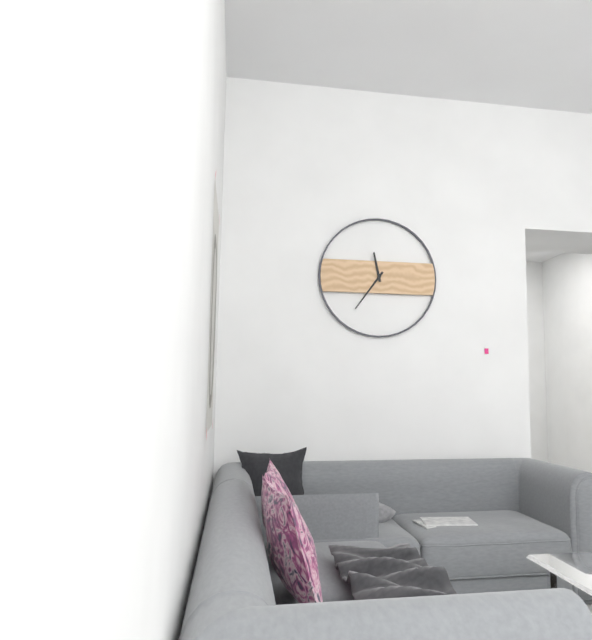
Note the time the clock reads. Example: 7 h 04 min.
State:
11 h 36 min
